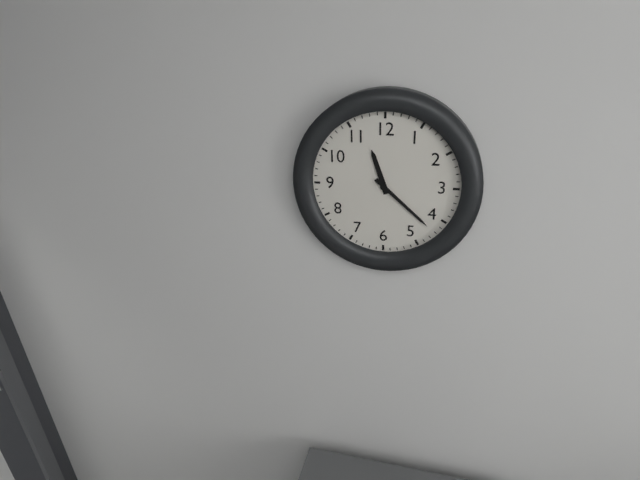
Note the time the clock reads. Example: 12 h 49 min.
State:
11 h 22 min
